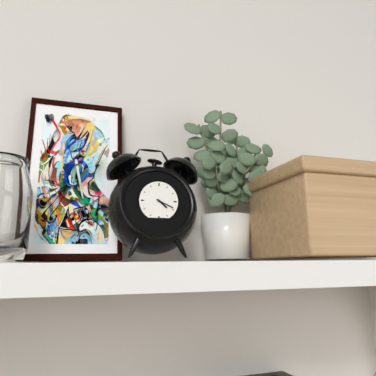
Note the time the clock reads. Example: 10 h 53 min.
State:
4 h 19 min
